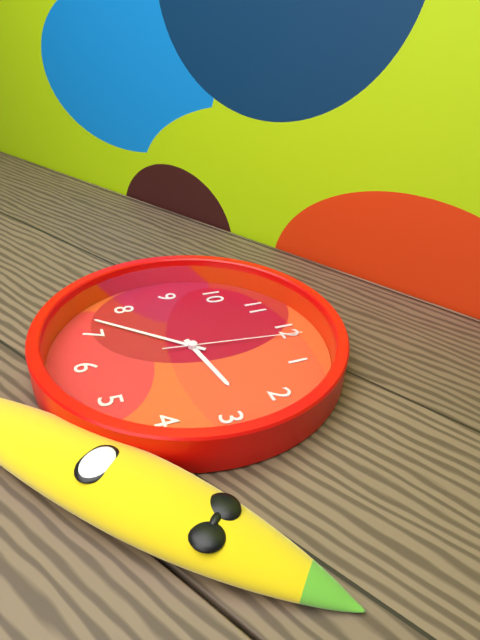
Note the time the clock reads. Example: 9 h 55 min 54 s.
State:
2 h 37 min 01 s
